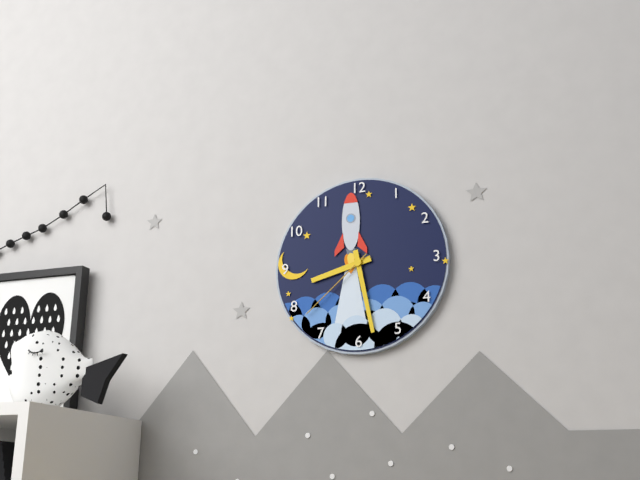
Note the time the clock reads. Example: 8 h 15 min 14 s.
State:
8 h 28 min 38 s
